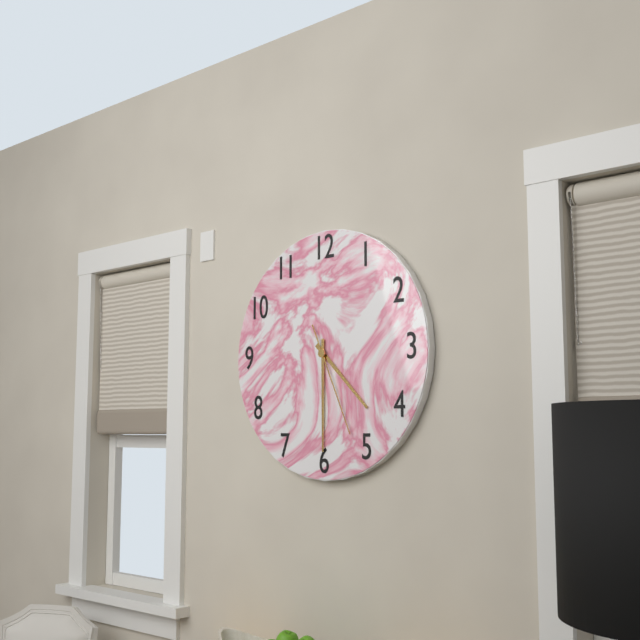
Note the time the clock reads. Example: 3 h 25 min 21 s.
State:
4 h 30 min 26 s
